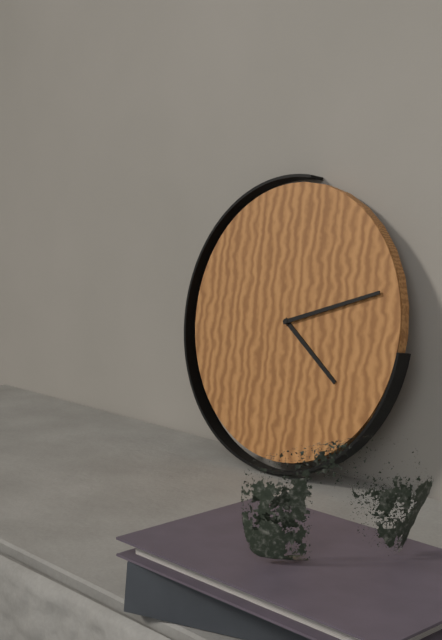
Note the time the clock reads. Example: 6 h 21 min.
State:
4 h 12 min
